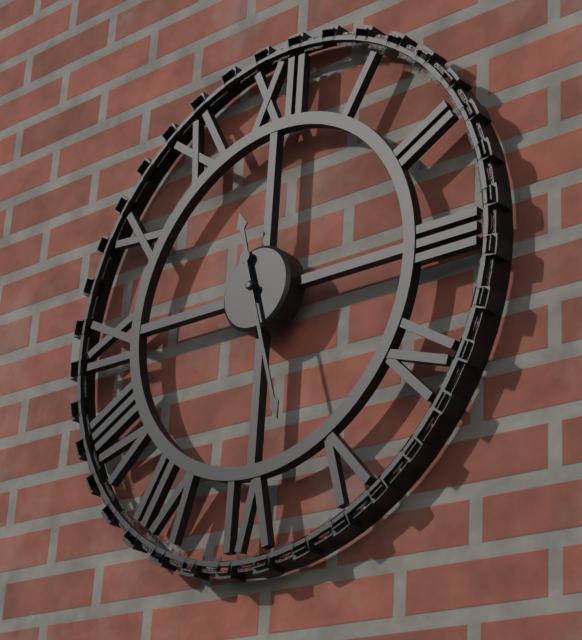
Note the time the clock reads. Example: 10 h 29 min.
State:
11 h 27 min
